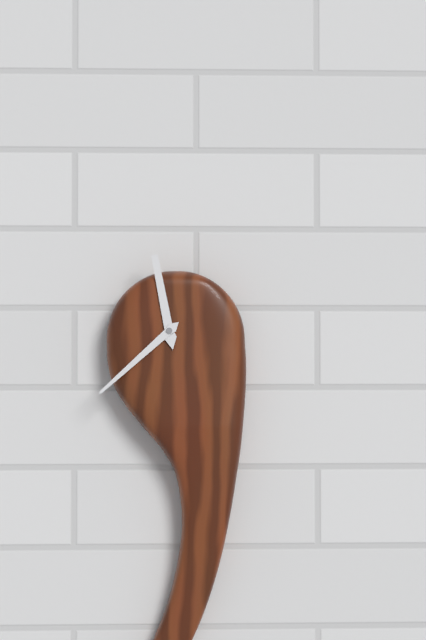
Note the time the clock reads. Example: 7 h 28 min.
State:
11 h 38 min
